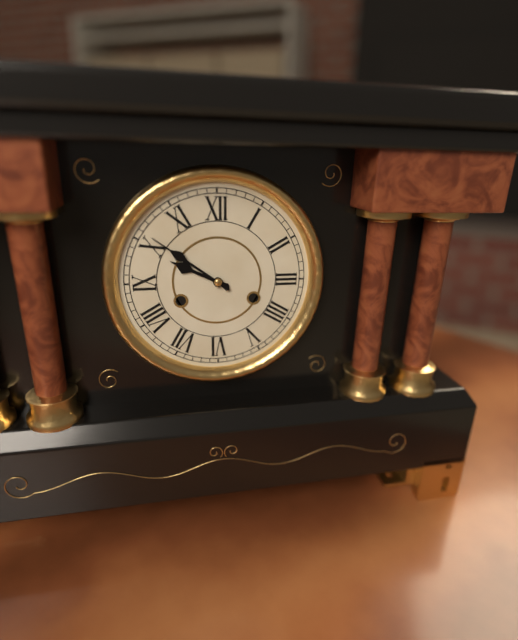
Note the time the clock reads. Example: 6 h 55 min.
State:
9 h 51 min
